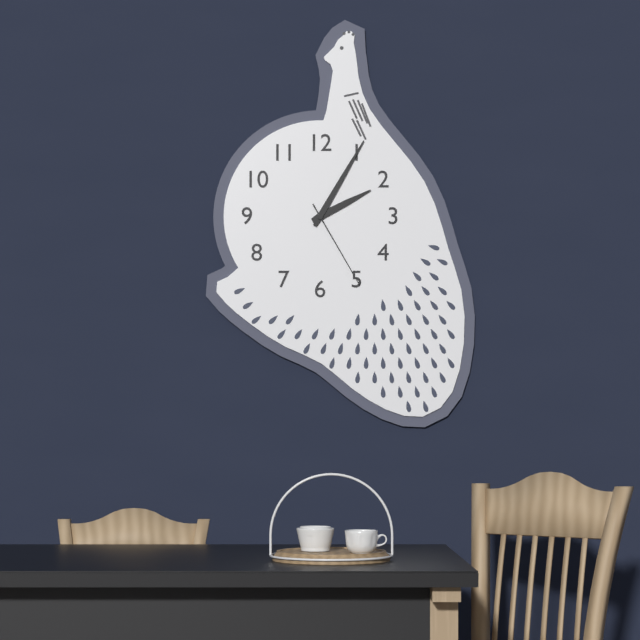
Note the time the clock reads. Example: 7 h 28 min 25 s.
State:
2 h 05 min 25 s
